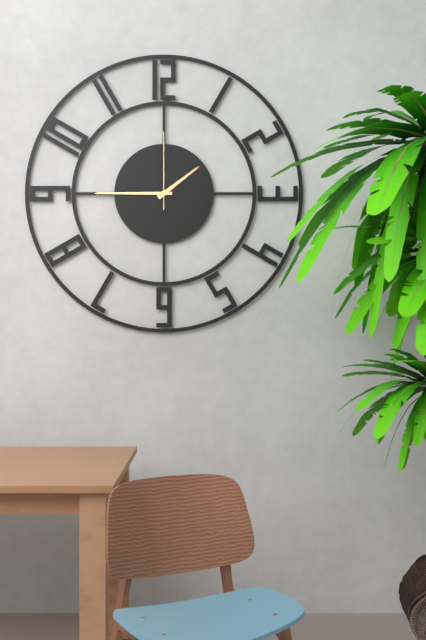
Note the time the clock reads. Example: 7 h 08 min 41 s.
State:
1 h 45 min 00 s
